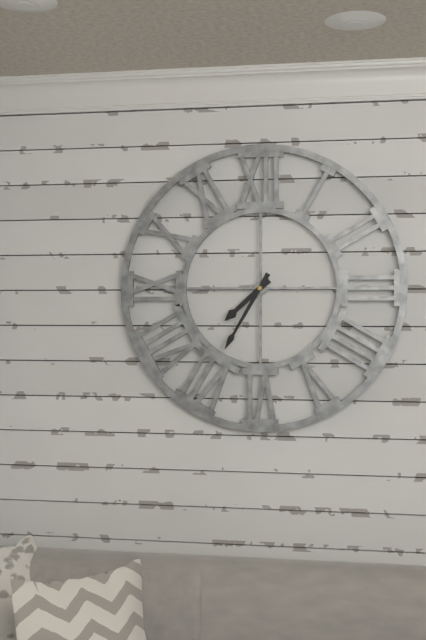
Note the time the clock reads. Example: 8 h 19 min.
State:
7 h 35 min
